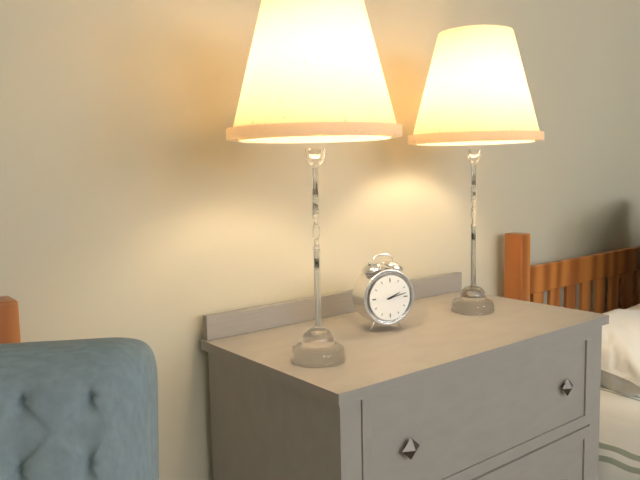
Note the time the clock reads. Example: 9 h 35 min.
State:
2 h 13 min
